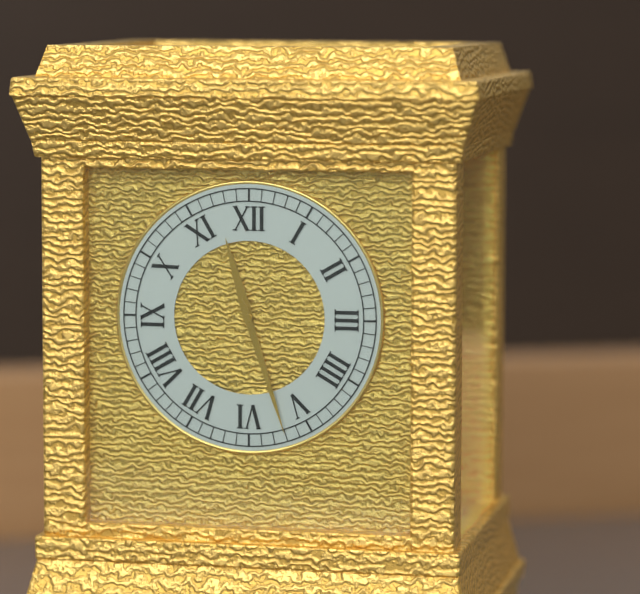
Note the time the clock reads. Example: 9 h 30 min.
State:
11 h 27 min
